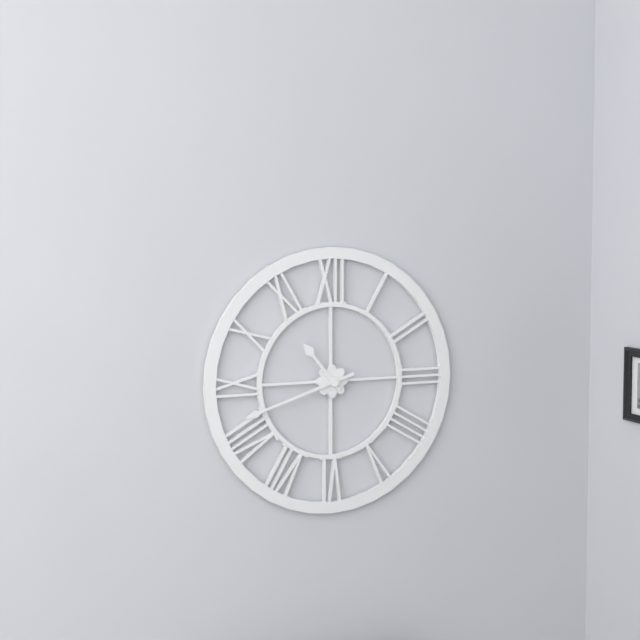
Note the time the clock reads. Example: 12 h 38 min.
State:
10 h 42 min
